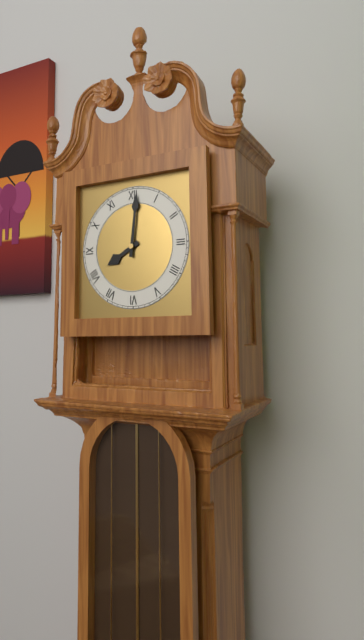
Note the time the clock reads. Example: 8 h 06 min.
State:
8 h 01 min
